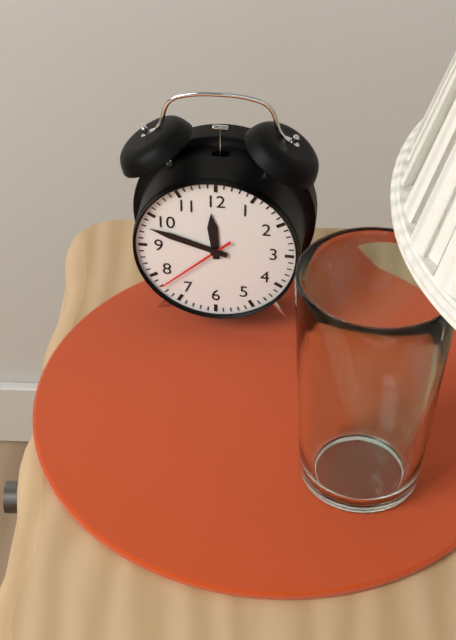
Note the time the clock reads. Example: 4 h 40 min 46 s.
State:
11 h 48 min 38 s
